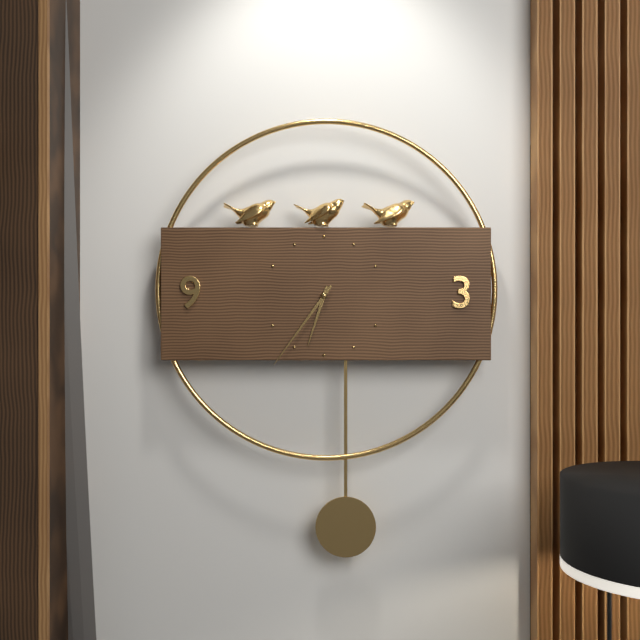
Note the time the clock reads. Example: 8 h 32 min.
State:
6 h 36 min
